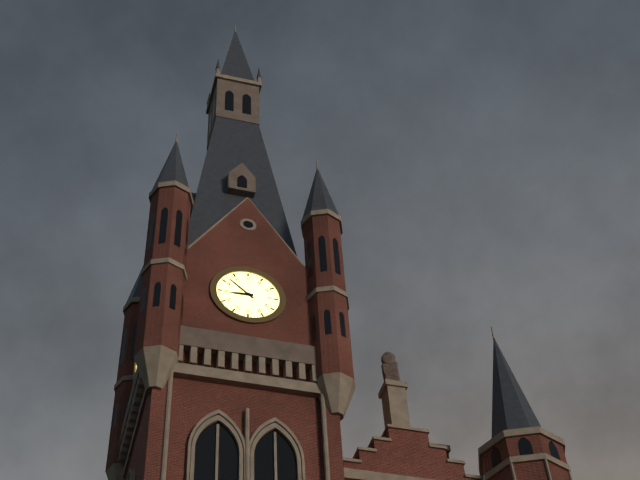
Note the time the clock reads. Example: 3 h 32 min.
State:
8 h 52 min
